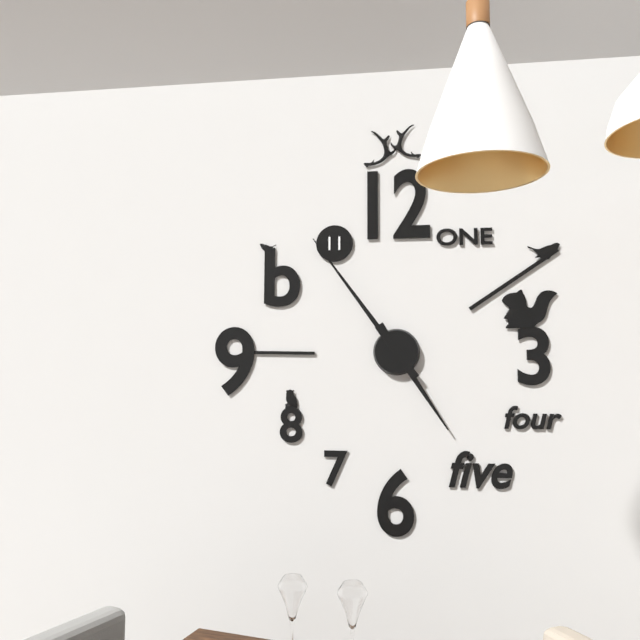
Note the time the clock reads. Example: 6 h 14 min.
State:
4 h 54 min
